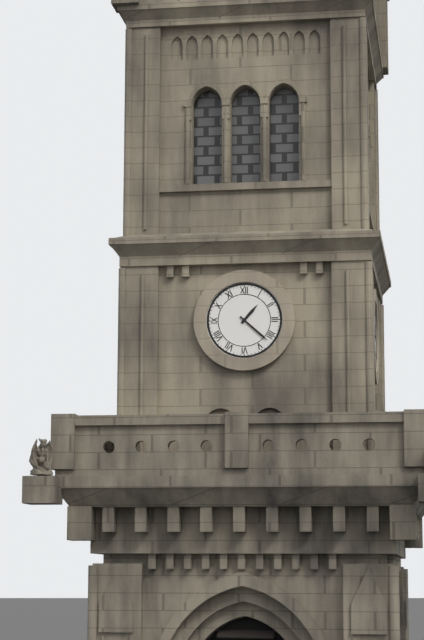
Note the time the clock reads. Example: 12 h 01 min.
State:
1 h 22 min
